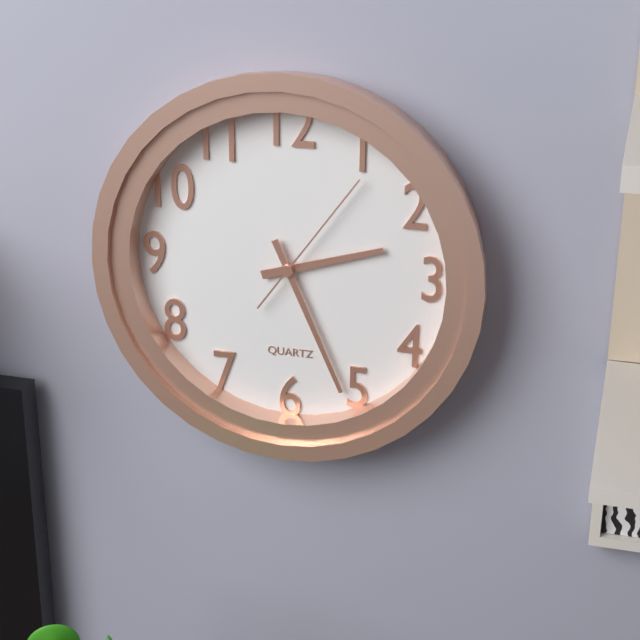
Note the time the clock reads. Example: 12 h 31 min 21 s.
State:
2 h 26 min 06 s
